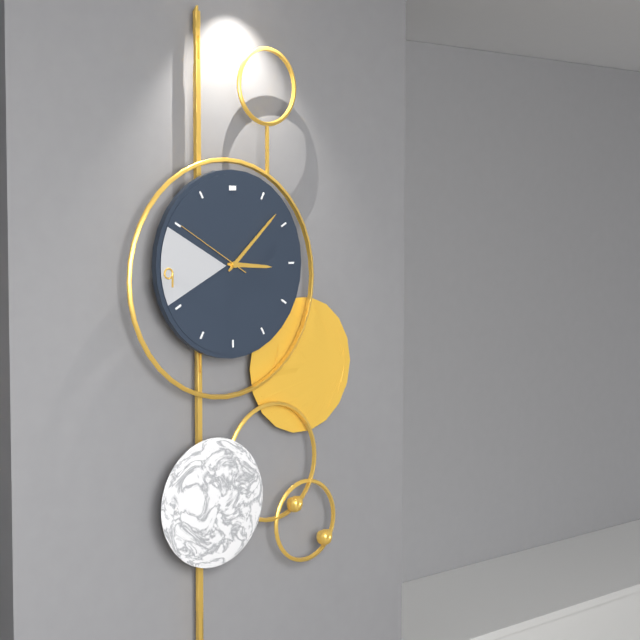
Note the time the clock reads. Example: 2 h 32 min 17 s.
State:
3 h 08 min 50 s
